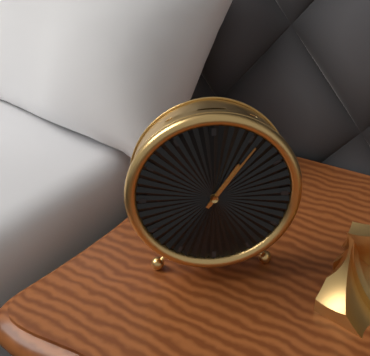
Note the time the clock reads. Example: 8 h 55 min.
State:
1 h 06 min
